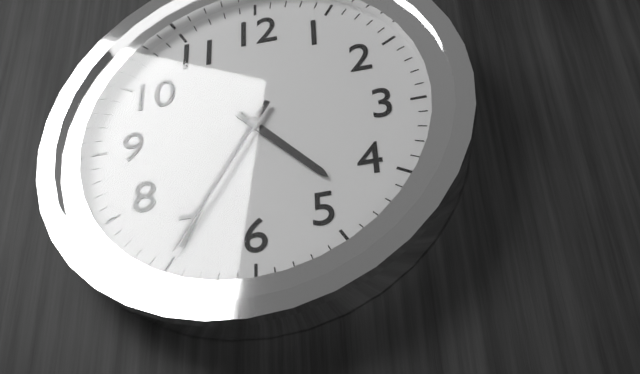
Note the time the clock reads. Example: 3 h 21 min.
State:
4 h 35 min
